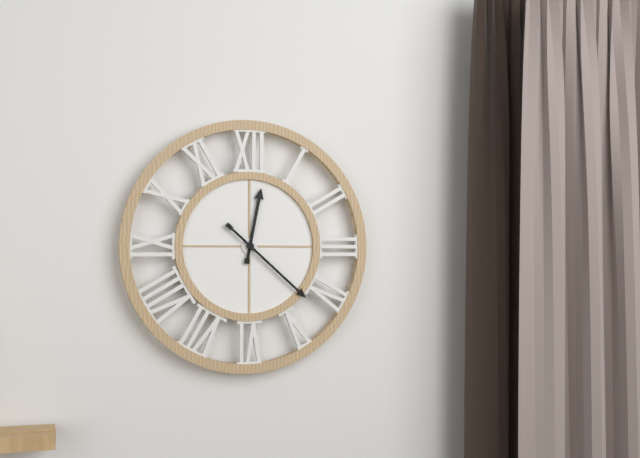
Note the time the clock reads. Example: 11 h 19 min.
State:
12 h 22 min
